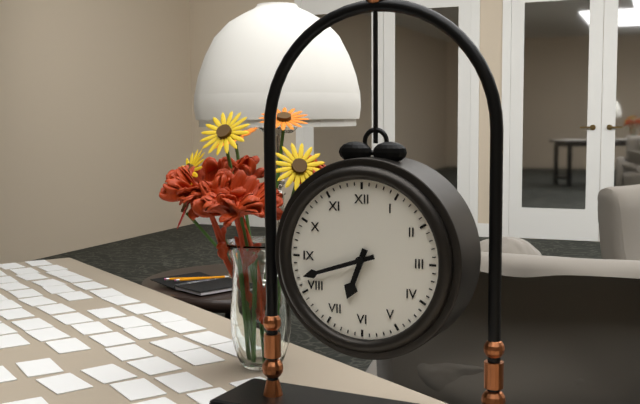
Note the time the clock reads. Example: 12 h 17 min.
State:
6 h 42 min
